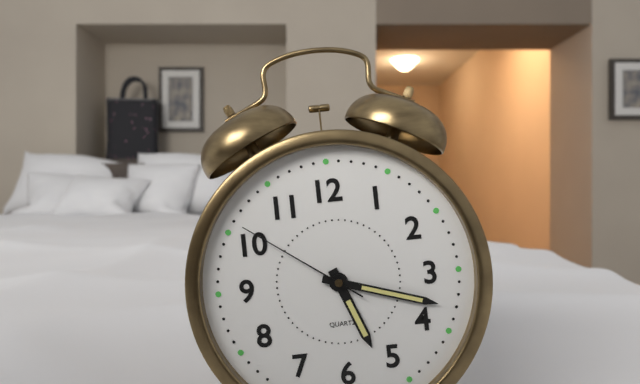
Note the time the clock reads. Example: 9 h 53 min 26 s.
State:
5 h 18 min 51 s
